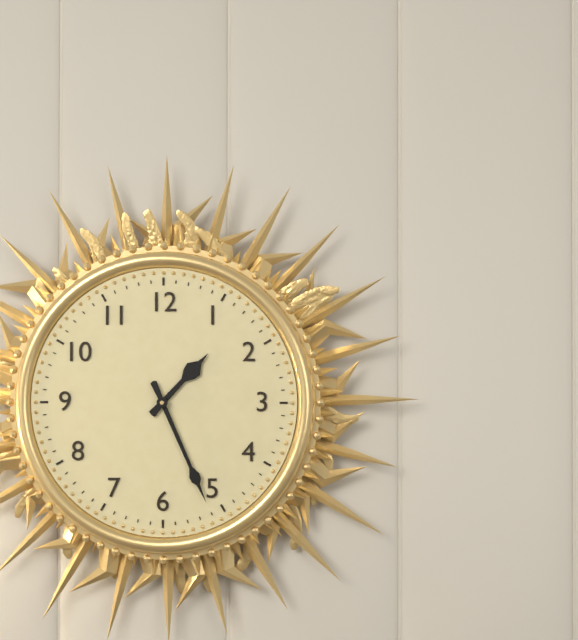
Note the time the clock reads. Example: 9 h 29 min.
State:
1 h 26 min
